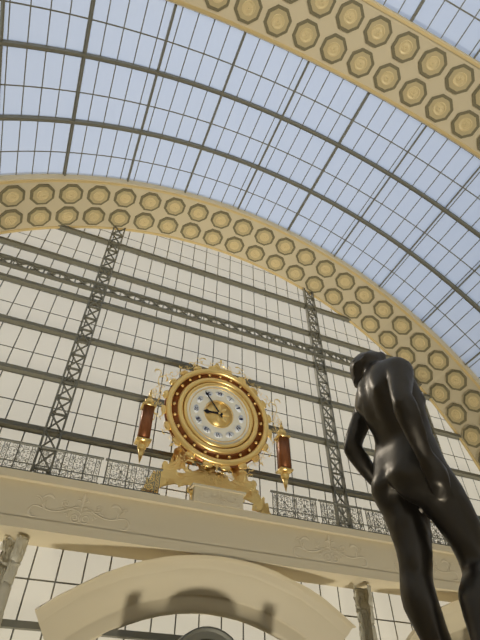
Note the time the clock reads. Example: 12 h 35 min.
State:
8 h 54 min
